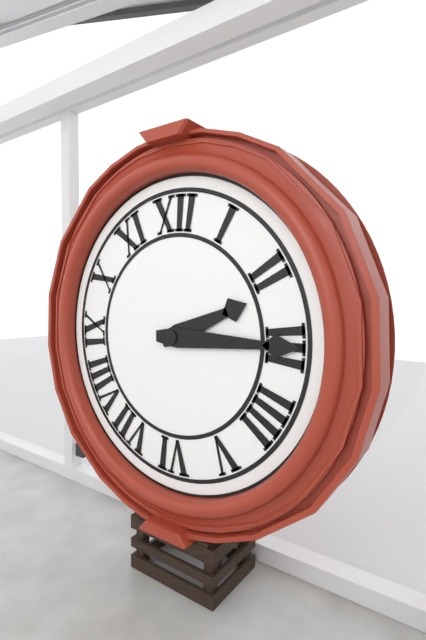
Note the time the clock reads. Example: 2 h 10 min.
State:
2 h 15 min
